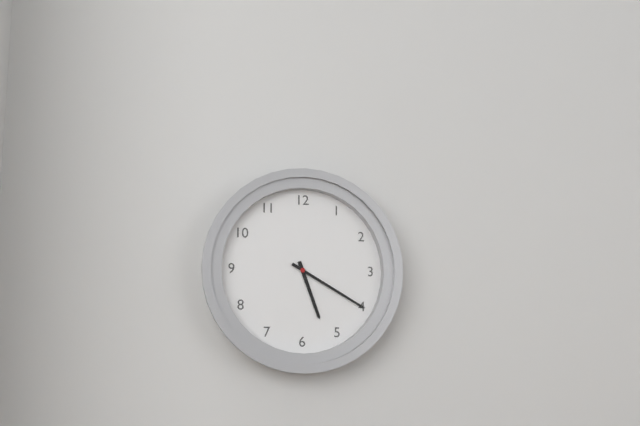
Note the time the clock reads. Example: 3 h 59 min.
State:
5 h 20 min
